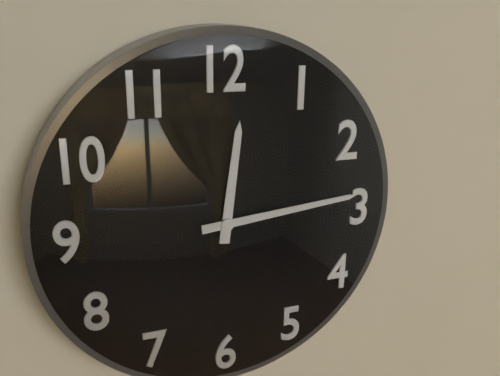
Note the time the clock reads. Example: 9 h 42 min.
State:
12 h 14 min
